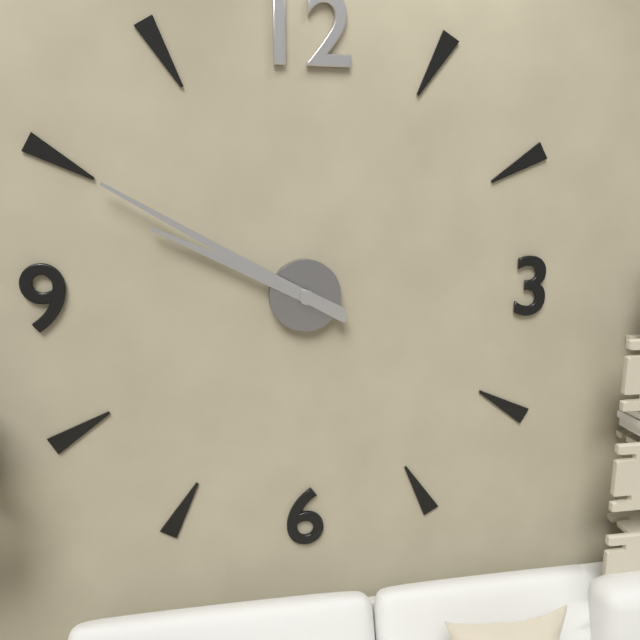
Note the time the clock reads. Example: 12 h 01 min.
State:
9 h 50 min
